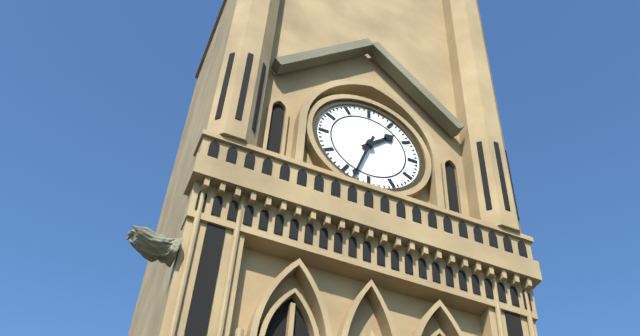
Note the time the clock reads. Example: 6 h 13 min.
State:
1 h 33 min
